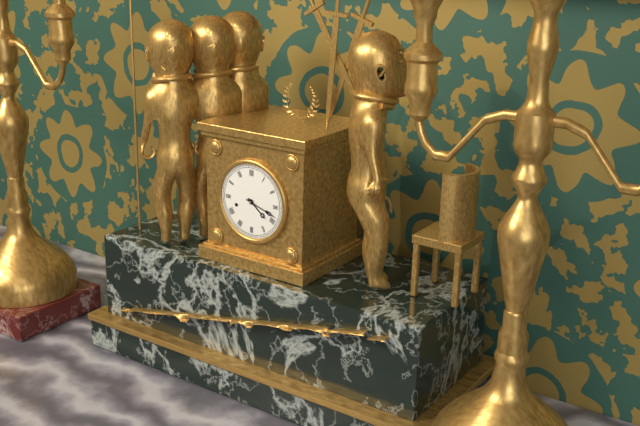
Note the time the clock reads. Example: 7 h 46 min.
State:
4 h 18 min
